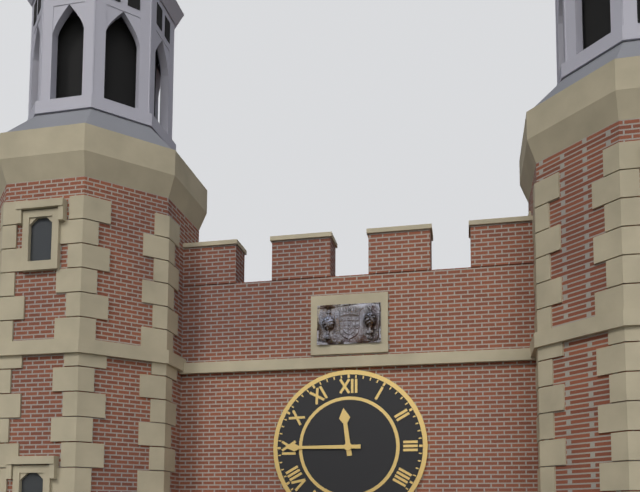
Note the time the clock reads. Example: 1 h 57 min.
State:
11 h 45 min
